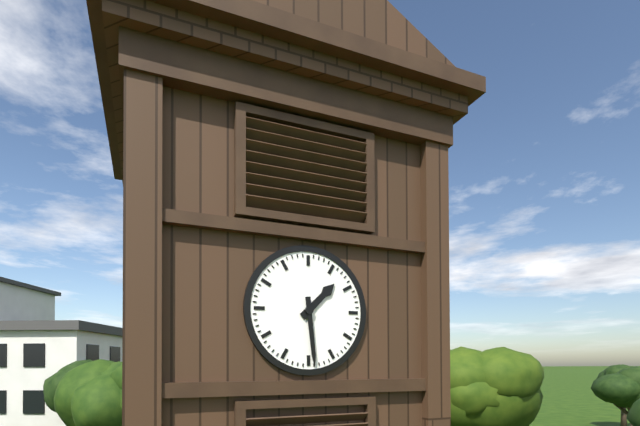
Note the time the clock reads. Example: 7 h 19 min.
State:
1 h 29 min
